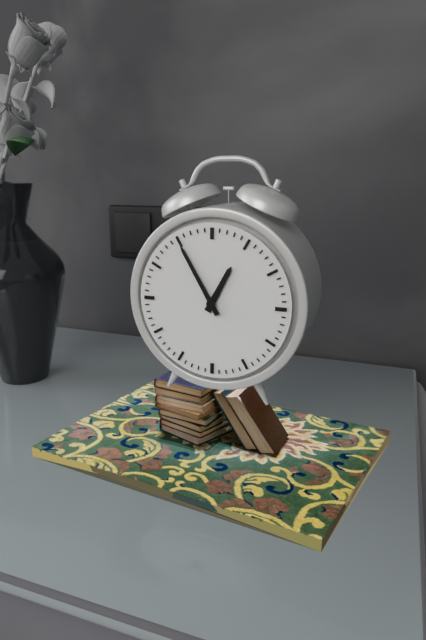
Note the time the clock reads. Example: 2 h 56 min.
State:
12 h 55 min
